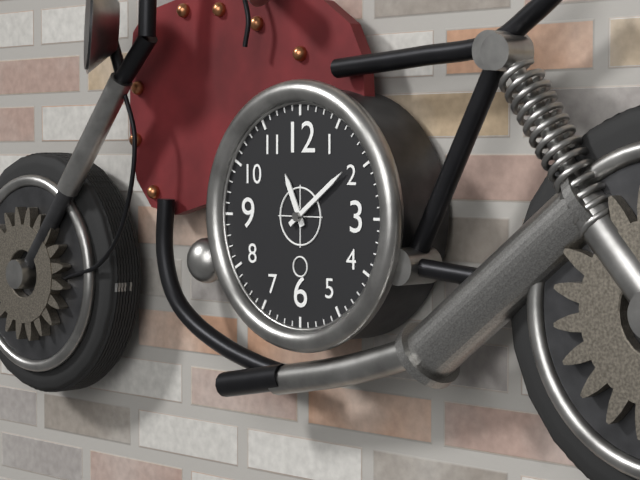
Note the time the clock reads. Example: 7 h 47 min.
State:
11 h 09 min
